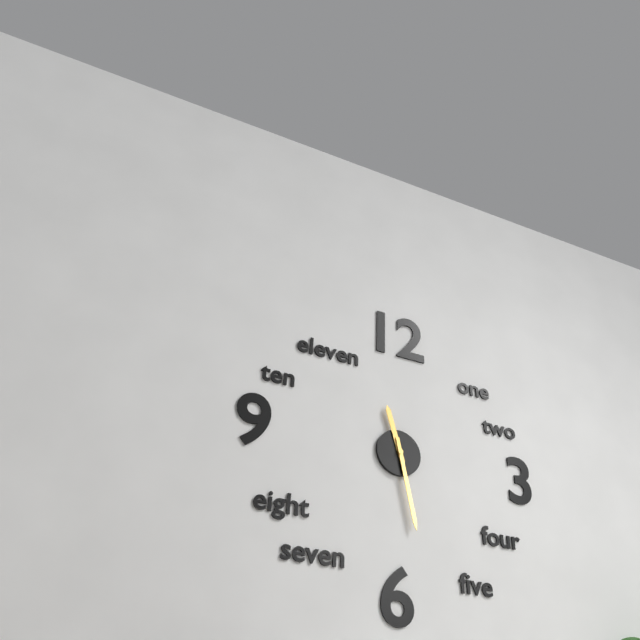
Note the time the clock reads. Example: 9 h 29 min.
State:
11 h 28 min
